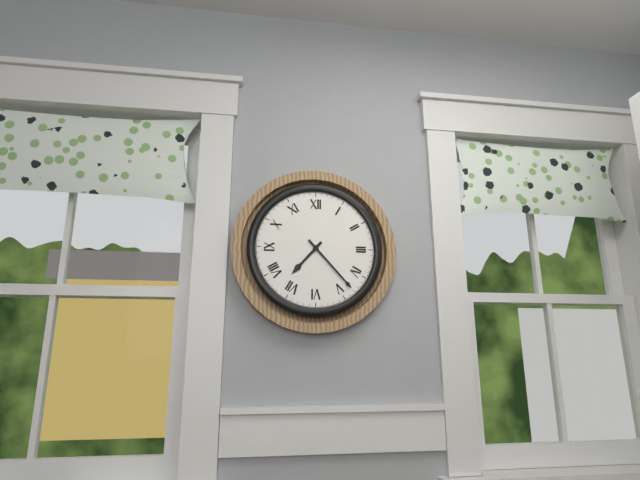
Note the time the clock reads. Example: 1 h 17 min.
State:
7 h 23 min
